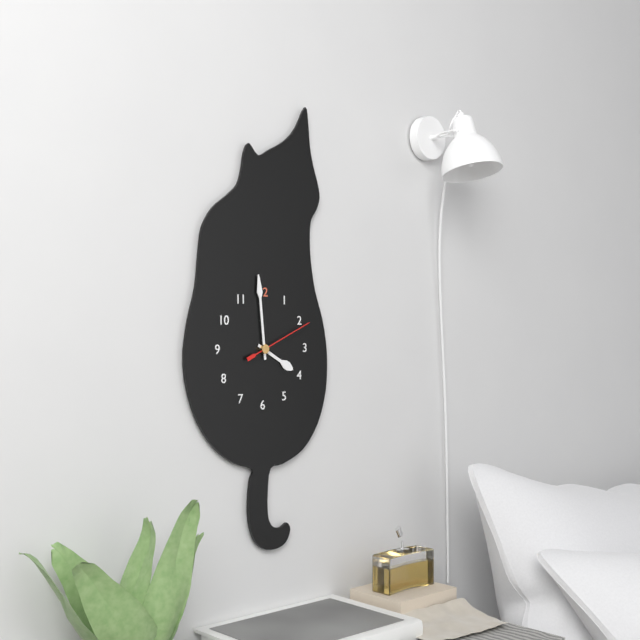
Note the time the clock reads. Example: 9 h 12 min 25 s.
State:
3 h 59 min 11 s
